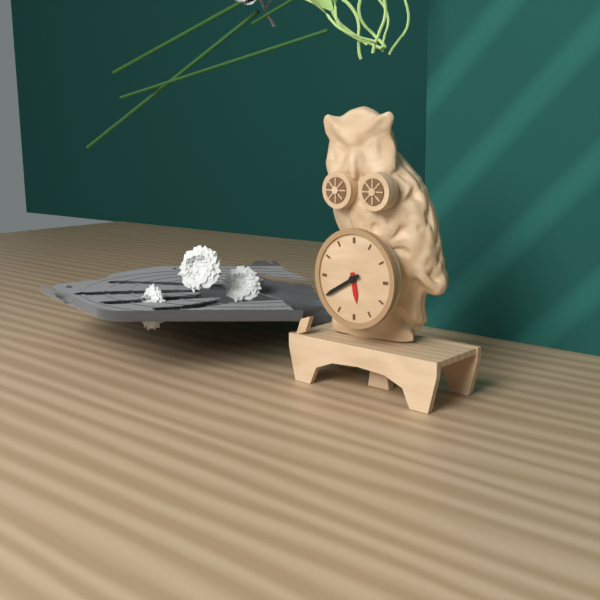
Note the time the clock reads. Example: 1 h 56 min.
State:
5 h 40 min
